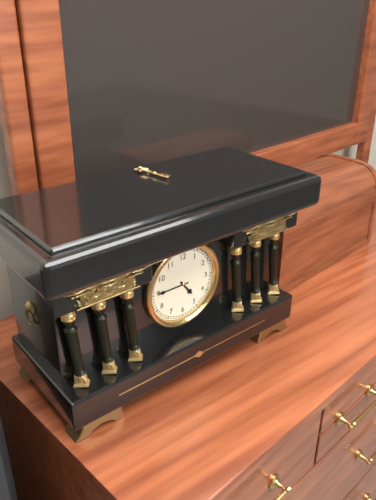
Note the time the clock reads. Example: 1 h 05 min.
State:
4 h 45 min
